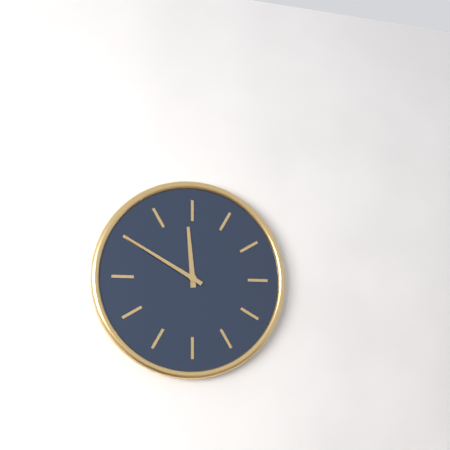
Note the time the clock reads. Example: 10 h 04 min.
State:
11 h 50 min
